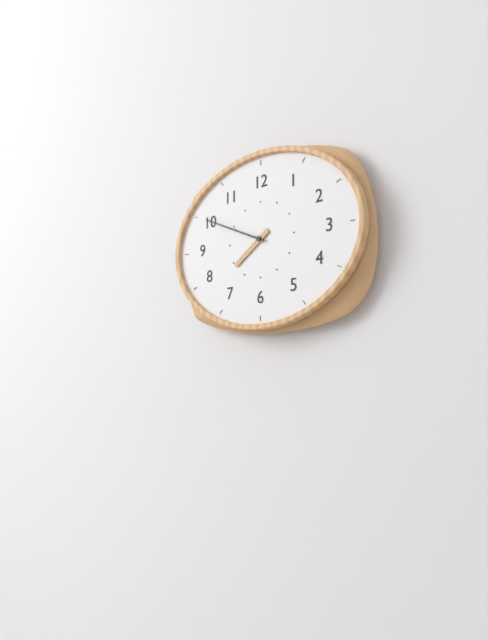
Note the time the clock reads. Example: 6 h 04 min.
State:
7 h 49 min
